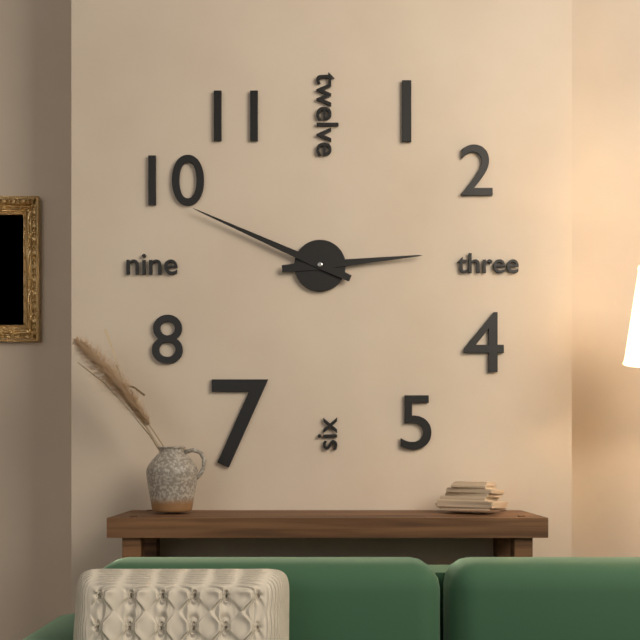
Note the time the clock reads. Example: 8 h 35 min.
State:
2 h 49 min
